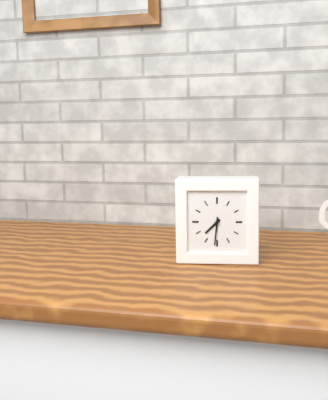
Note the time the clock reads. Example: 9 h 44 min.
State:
7 h 31 min
